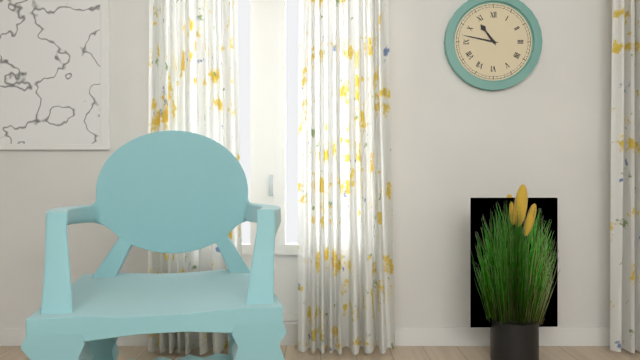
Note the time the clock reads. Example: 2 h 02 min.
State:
10 h 47 min
